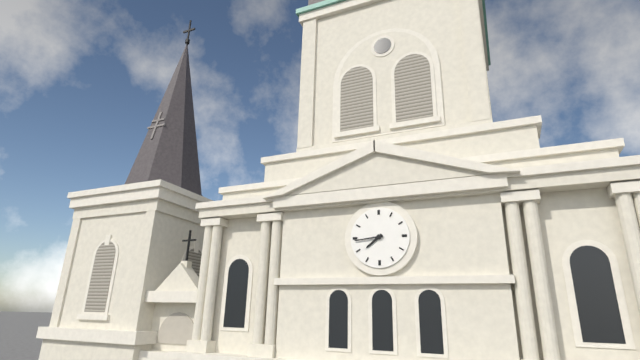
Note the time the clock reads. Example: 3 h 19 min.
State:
7 h 44 min
